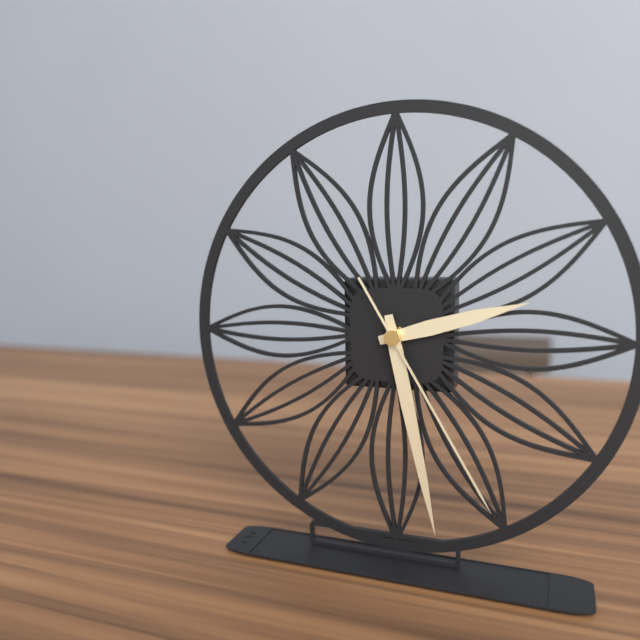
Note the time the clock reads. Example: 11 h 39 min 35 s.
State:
2 h 28 min 25 s
